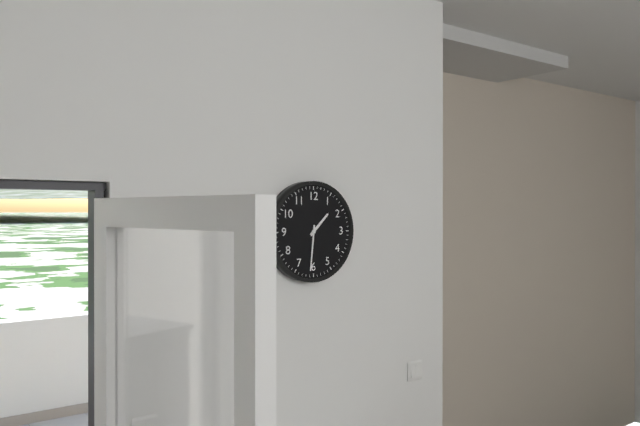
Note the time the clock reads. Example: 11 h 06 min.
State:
1 h 31 min
